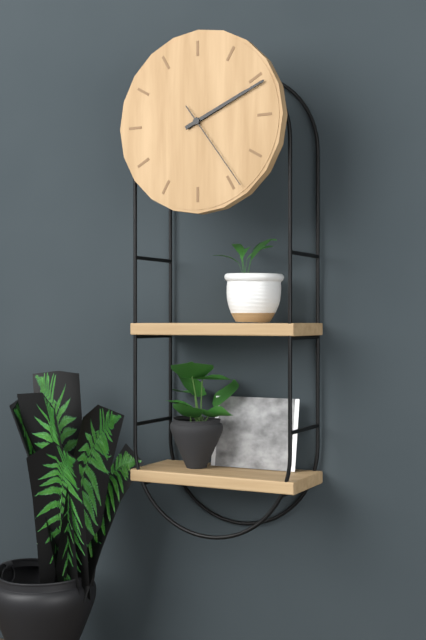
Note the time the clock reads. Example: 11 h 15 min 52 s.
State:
2 h 11 min 24 s
